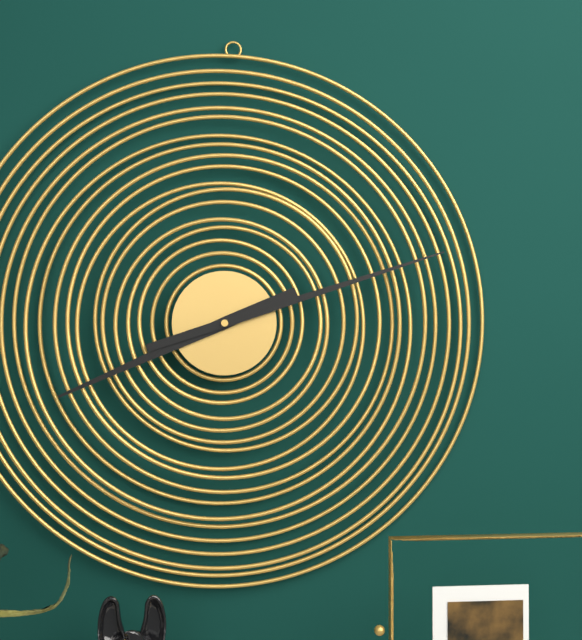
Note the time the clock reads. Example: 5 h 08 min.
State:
8 h 12 min
